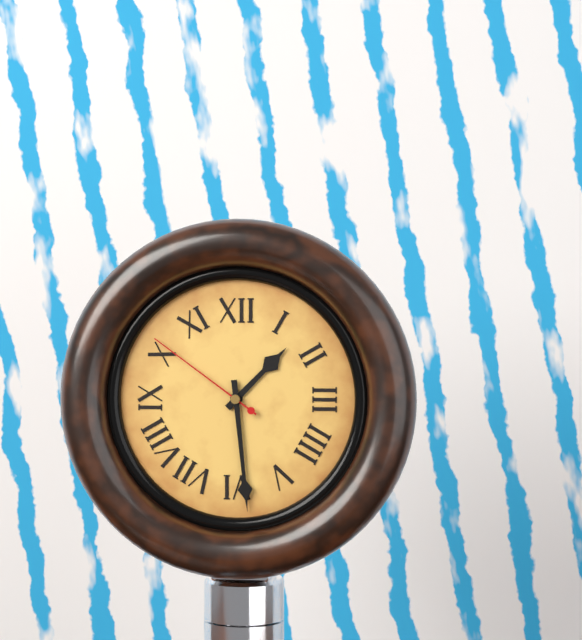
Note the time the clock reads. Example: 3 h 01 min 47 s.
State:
1 h 29 min 51 s
